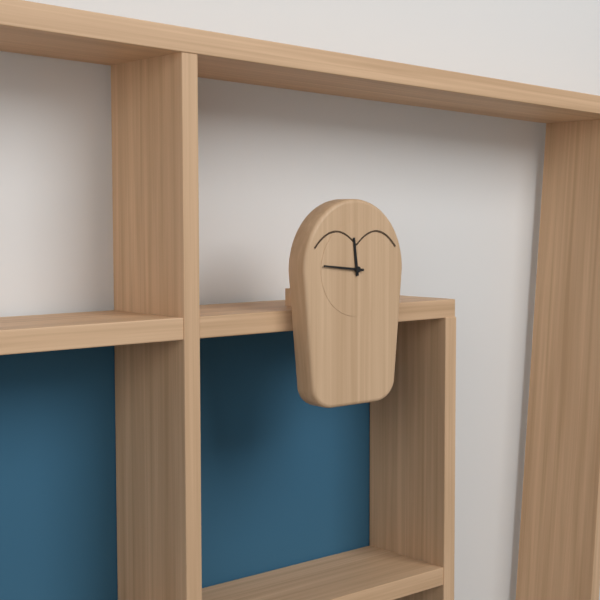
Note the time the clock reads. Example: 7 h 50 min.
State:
11 h 46 min
